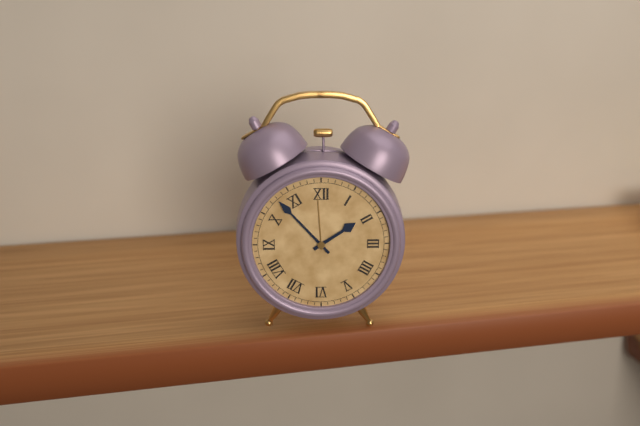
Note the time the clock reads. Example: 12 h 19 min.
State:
1 h 53 min
